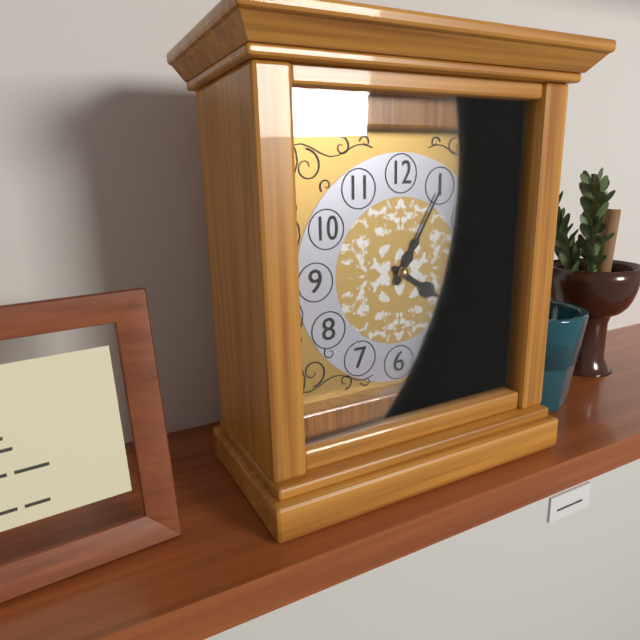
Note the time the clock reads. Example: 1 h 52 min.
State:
4 h 05 min
